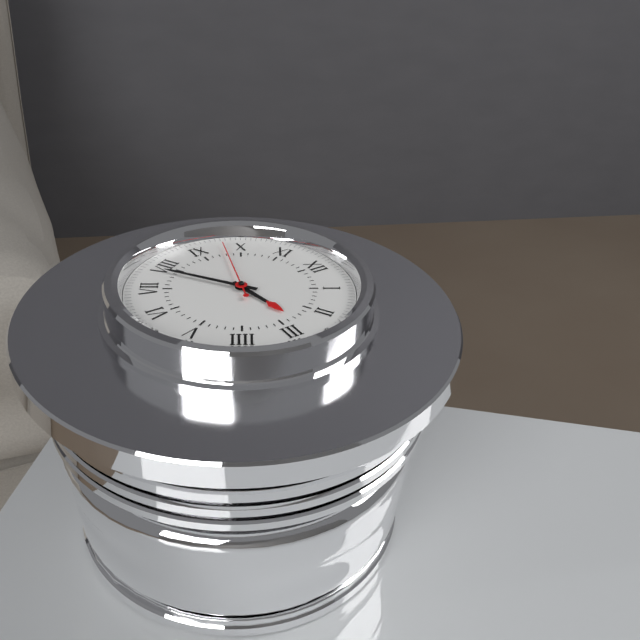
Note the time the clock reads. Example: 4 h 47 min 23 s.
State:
2 h 39 min 48 s
